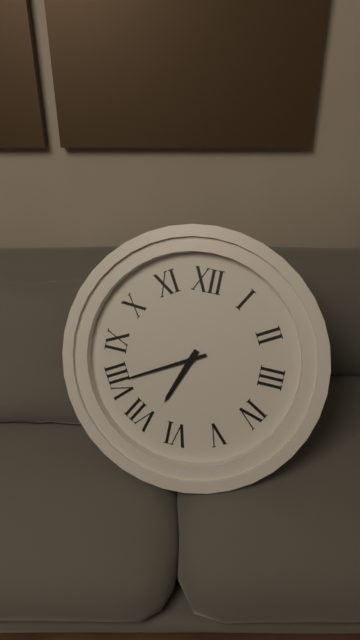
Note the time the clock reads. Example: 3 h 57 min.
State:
6 h 40 min
